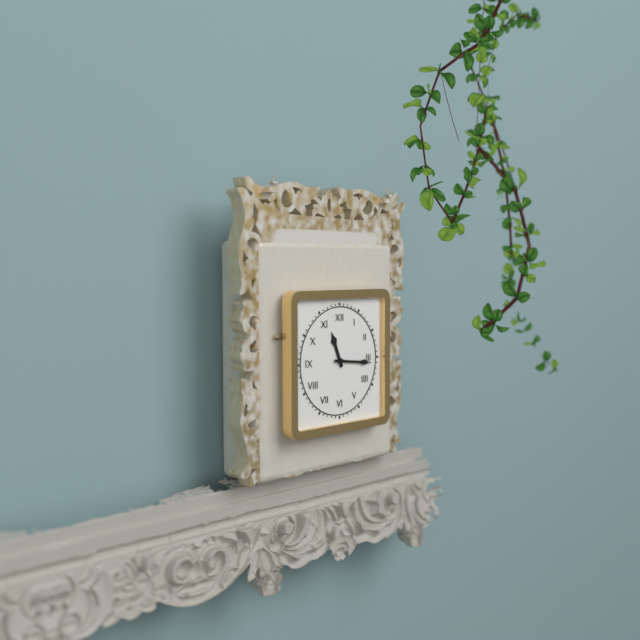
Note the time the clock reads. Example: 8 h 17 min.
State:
11 h 16 min
